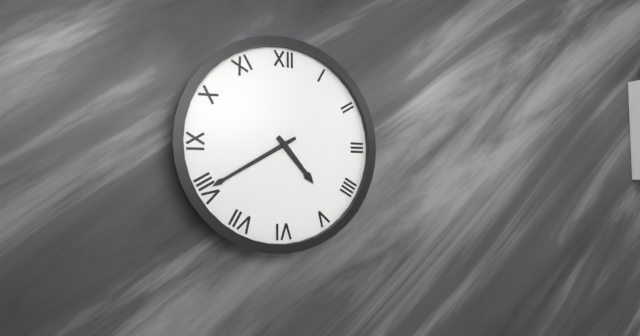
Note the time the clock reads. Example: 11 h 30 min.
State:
4 h 40 min
